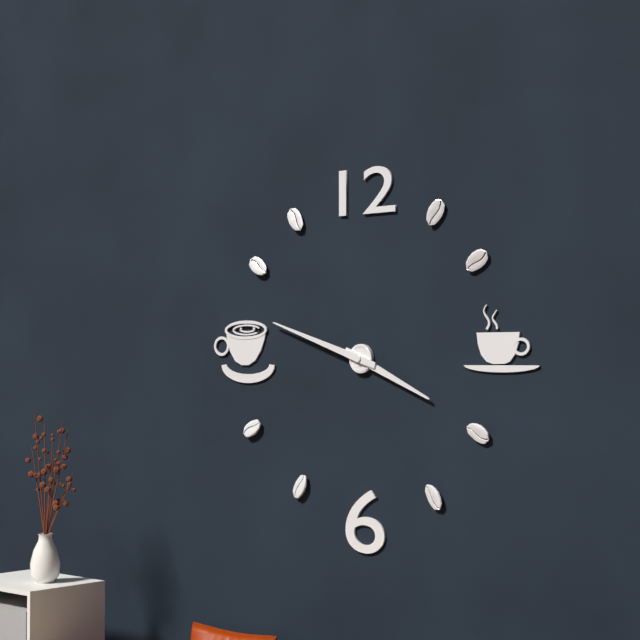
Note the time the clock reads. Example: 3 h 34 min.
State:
3 h 48 min
